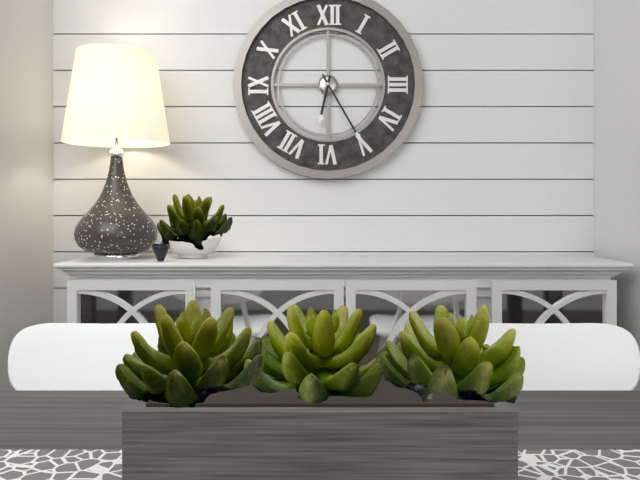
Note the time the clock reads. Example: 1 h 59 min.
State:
6 h 25 min
